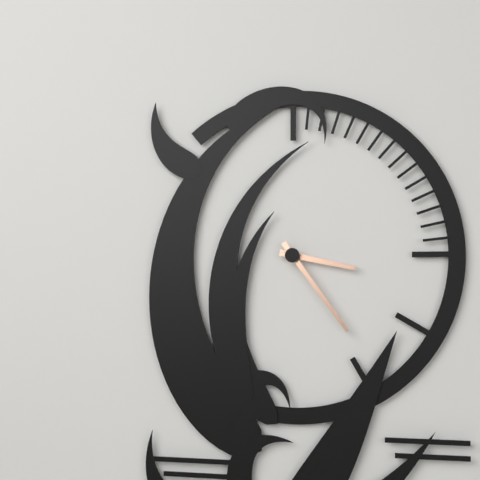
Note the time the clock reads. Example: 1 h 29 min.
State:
3 h 24 min
